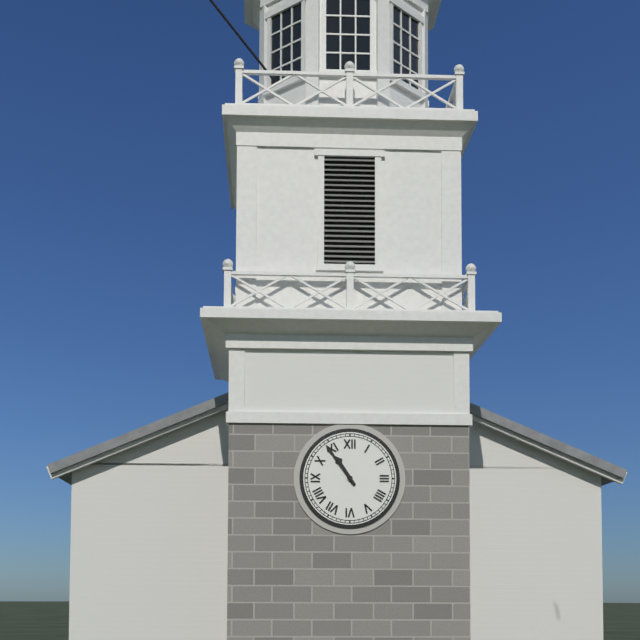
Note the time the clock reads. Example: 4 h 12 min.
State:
10 h 54 min
